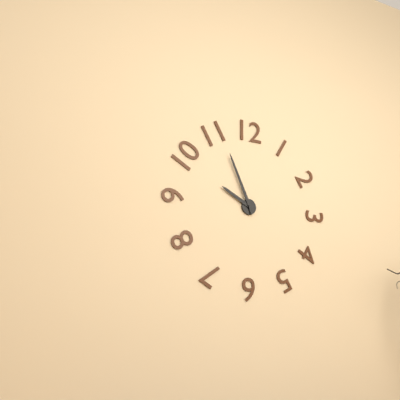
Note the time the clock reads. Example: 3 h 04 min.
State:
9 h 56 min
